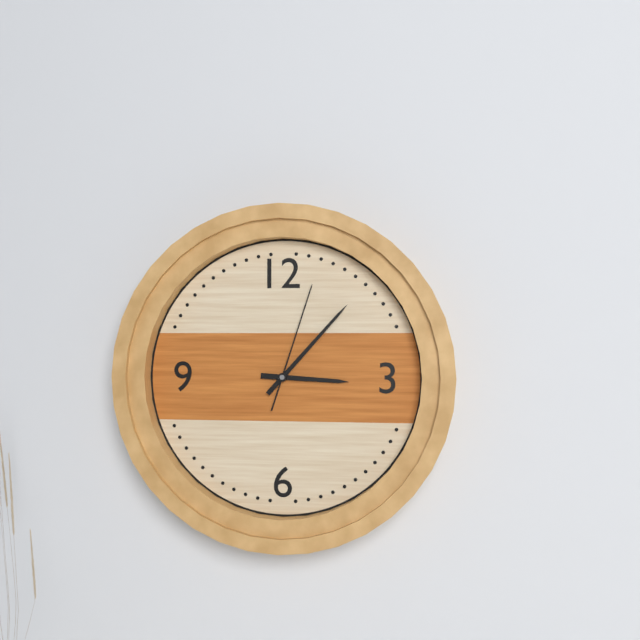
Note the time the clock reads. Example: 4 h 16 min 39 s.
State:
3 h 07 min 03 s
